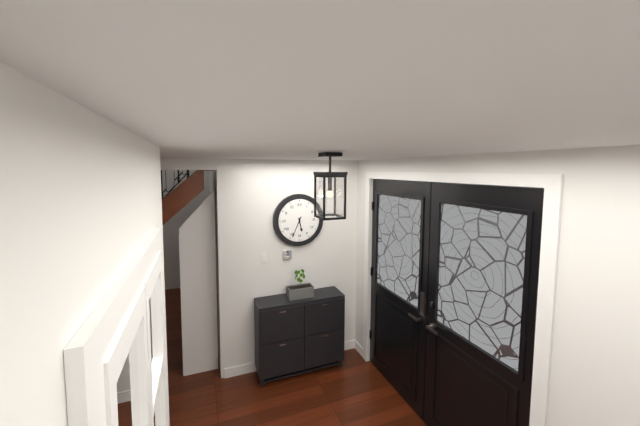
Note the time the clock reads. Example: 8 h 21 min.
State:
5 h 34 min
